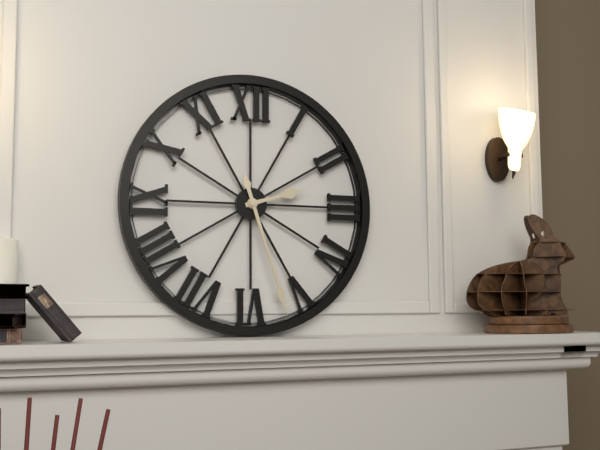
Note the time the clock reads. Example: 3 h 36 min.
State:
2 h 27 min
